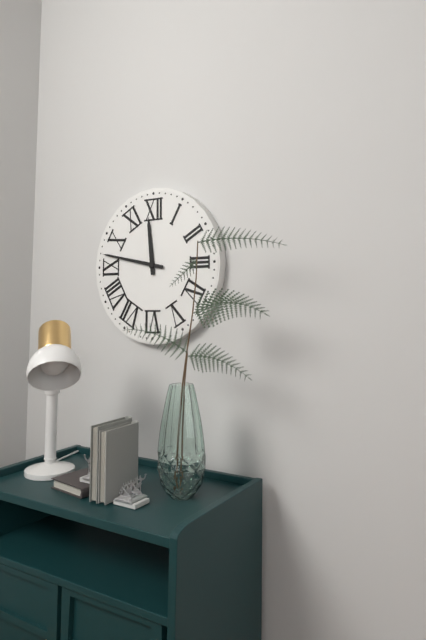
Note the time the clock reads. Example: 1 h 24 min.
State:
11 h 47 min
